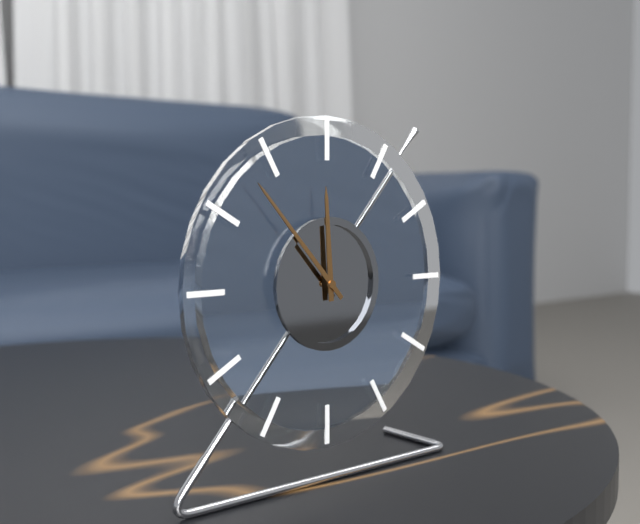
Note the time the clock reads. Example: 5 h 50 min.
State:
11 h 53 min
